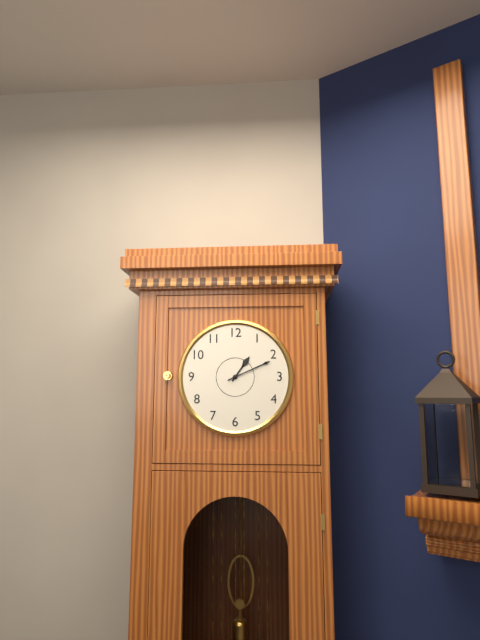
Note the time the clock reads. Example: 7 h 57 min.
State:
1 h 11 min
